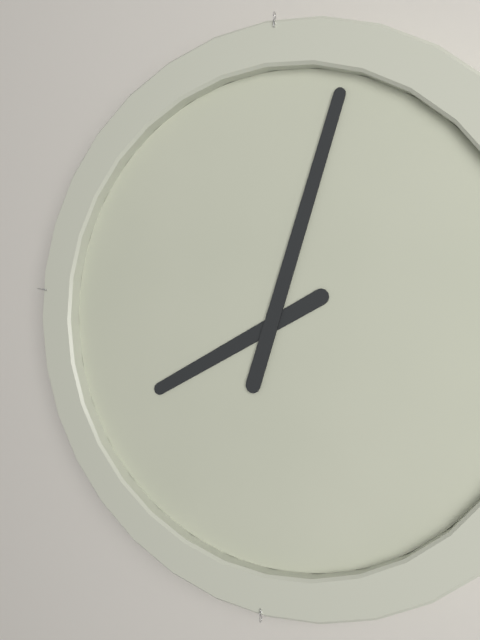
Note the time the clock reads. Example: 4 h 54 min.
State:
8 h 03 min
